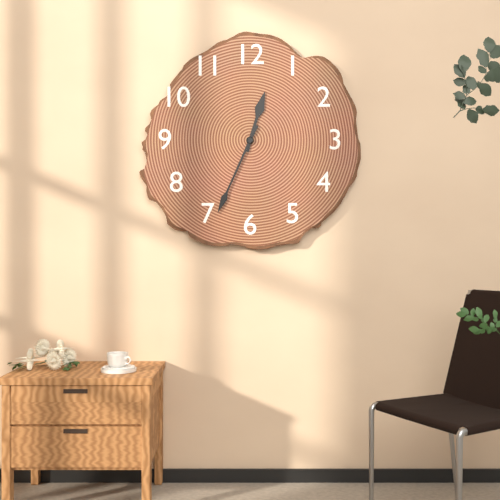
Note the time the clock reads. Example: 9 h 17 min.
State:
12 h 34 min
